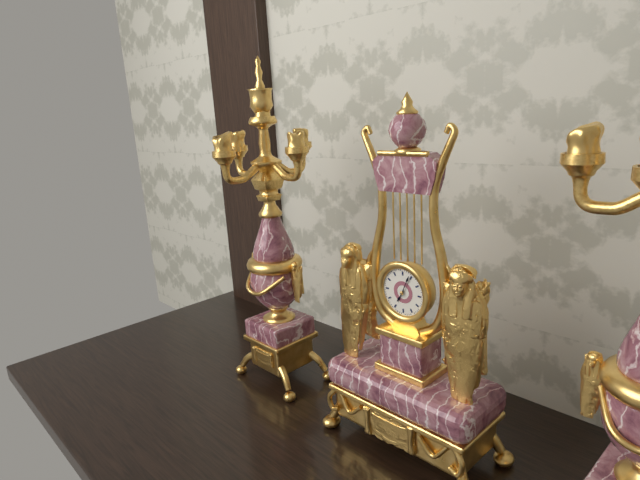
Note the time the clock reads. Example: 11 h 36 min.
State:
7 h 04 min
